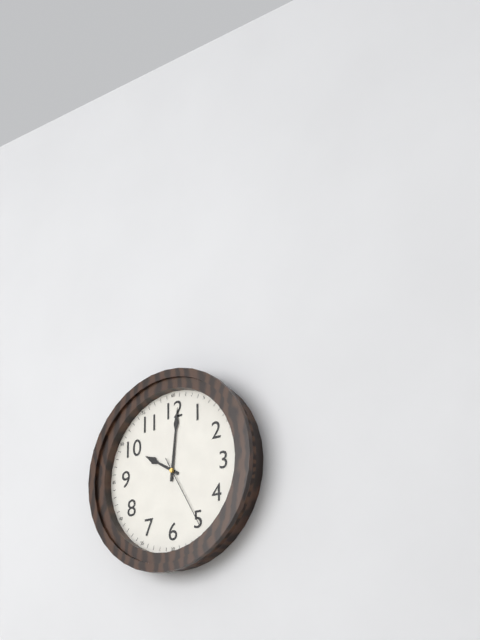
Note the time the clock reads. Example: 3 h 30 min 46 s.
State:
10 h 01 min 25 s
